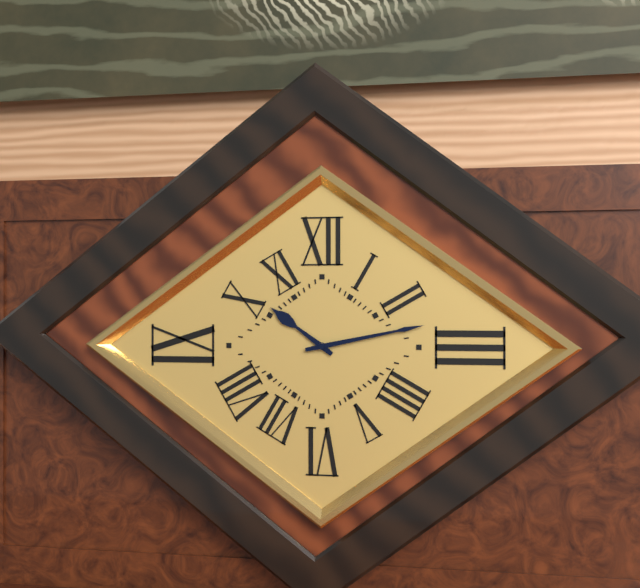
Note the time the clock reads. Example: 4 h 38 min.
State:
10 h 13 min
